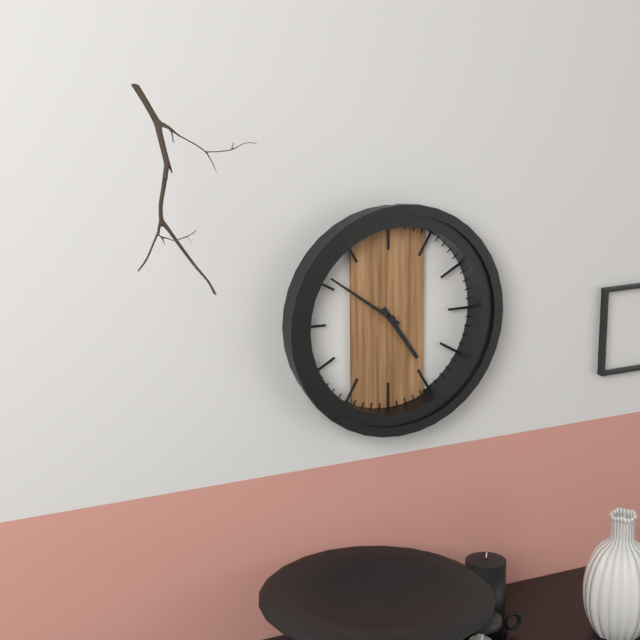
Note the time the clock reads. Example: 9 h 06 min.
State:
4 h 51 min
